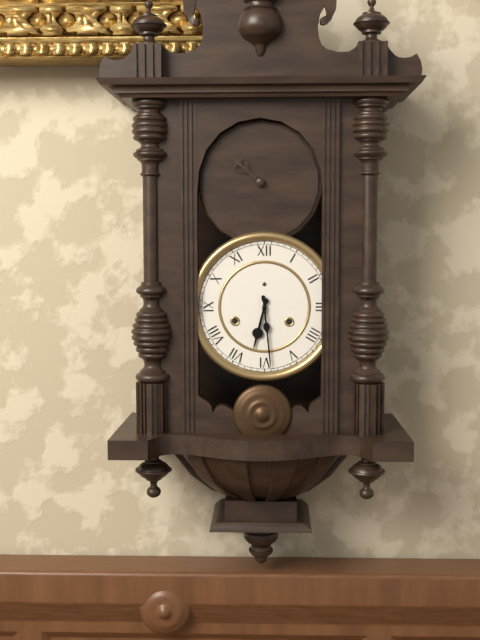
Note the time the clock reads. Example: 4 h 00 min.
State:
6 h 29 min
